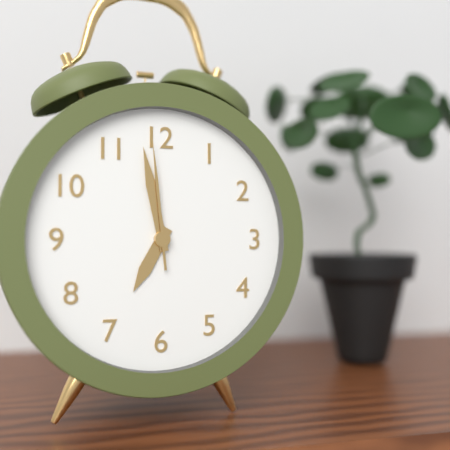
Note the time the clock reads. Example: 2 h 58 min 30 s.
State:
6 h 58 min 59 s
